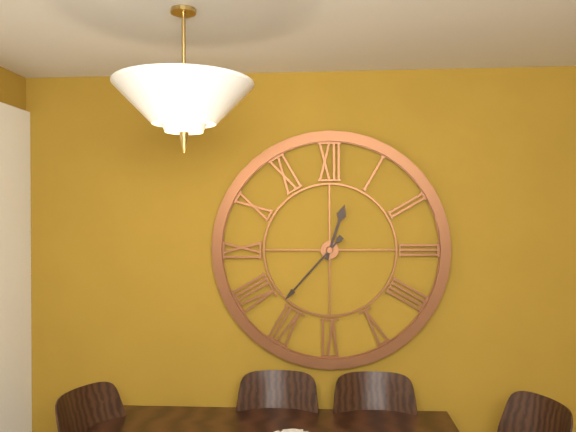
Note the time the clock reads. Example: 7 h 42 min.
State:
12 h 37 min
